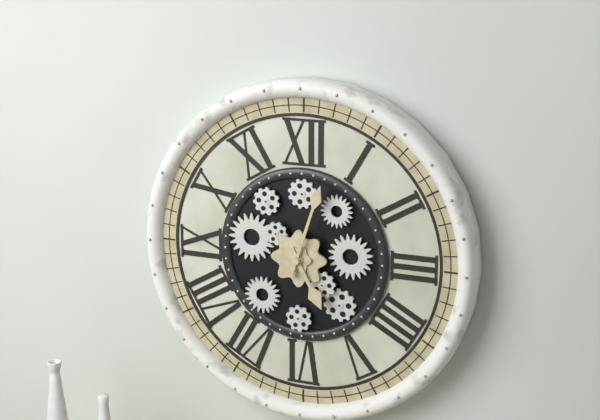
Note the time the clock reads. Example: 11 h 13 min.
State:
5 h 03 min
